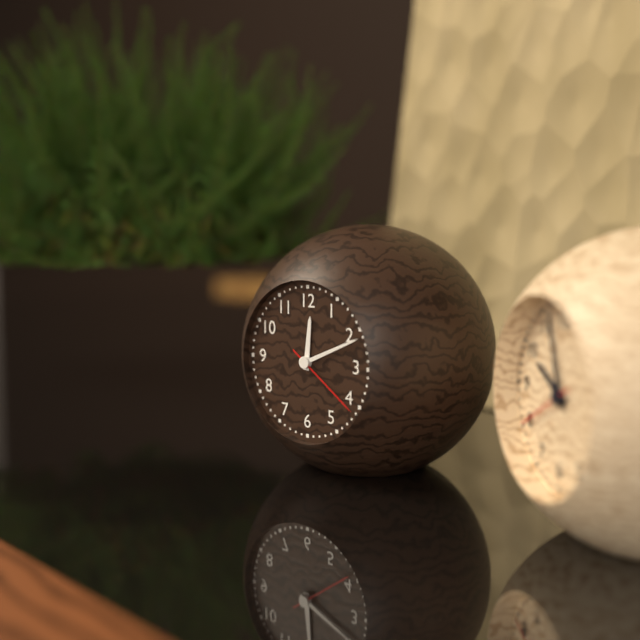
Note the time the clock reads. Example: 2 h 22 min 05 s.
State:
12 h 11 min 21 s
